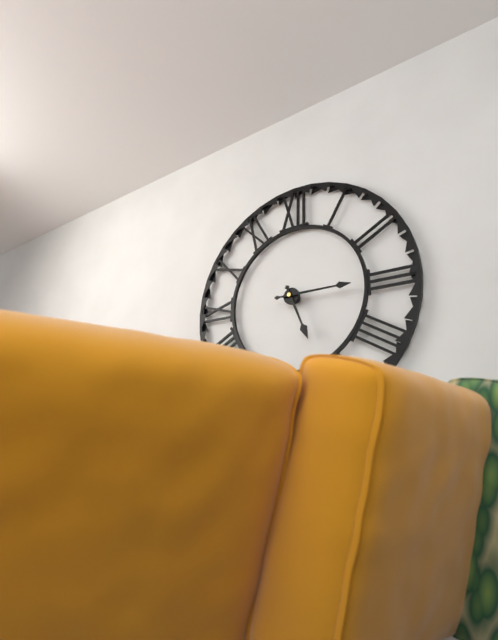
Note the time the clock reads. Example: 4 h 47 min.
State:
5 h 15 min
